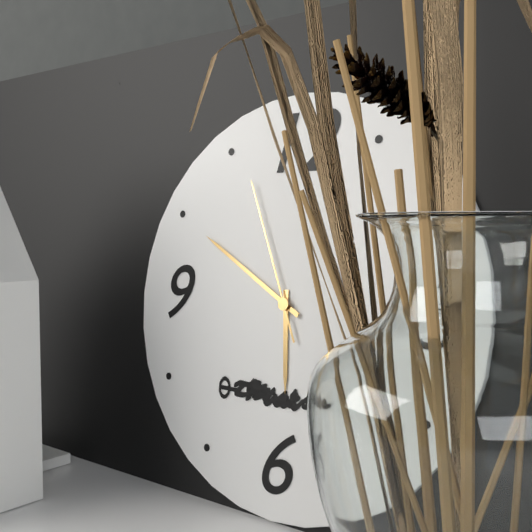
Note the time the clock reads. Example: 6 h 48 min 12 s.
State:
5 h 50 min 56 s
